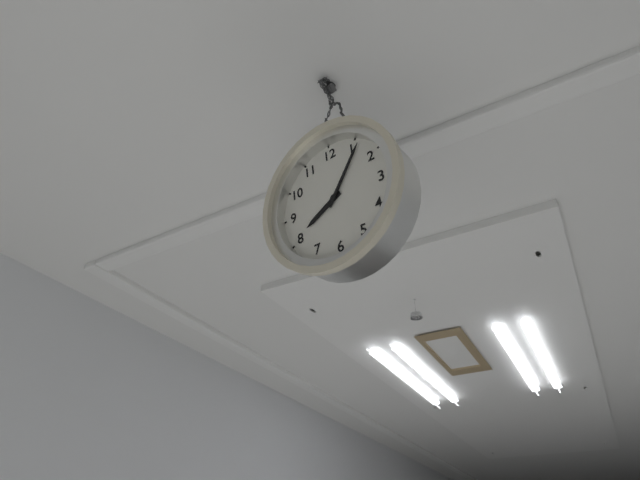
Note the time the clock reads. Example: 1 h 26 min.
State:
8 h 06 min
